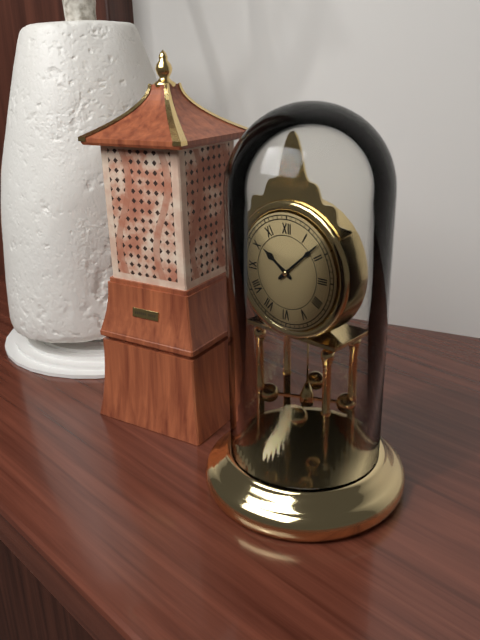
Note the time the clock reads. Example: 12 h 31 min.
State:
10 h 08 min
